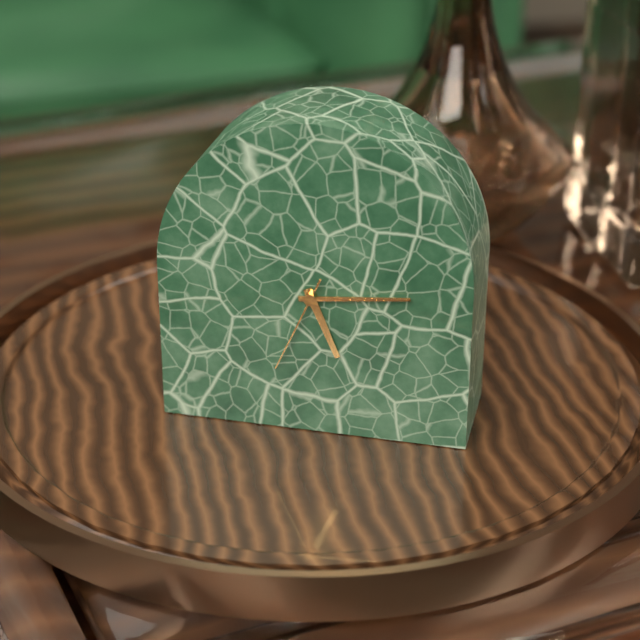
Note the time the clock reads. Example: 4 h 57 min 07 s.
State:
5 h 14 min 34 s
